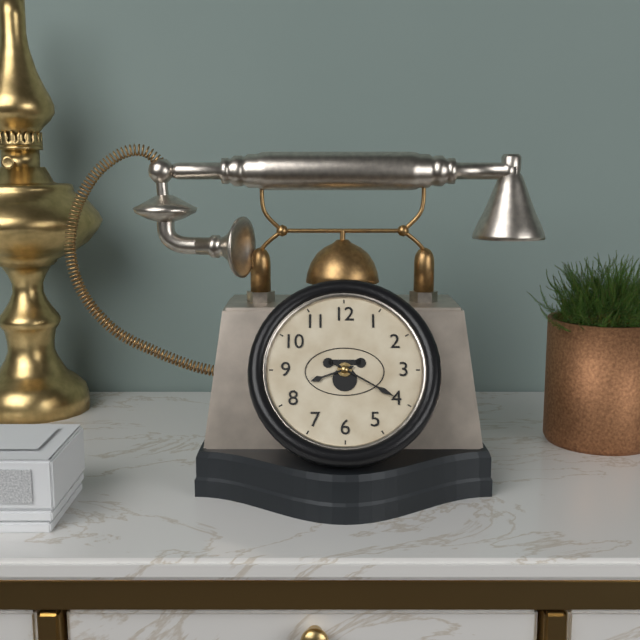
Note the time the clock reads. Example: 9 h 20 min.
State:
8 h 20 min
